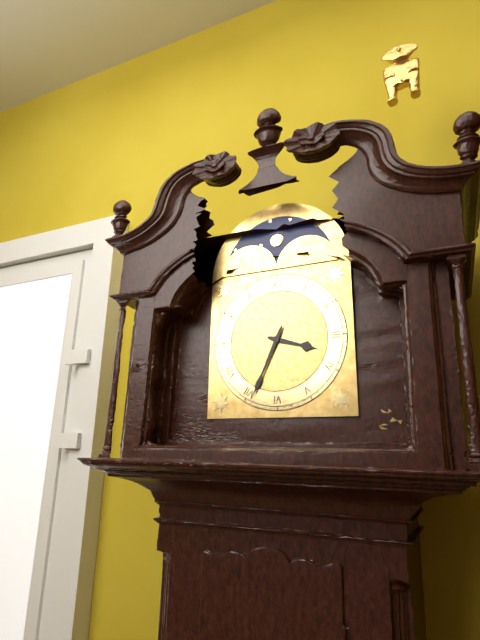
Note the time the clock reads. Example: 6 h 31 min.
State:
3 h 34 min
